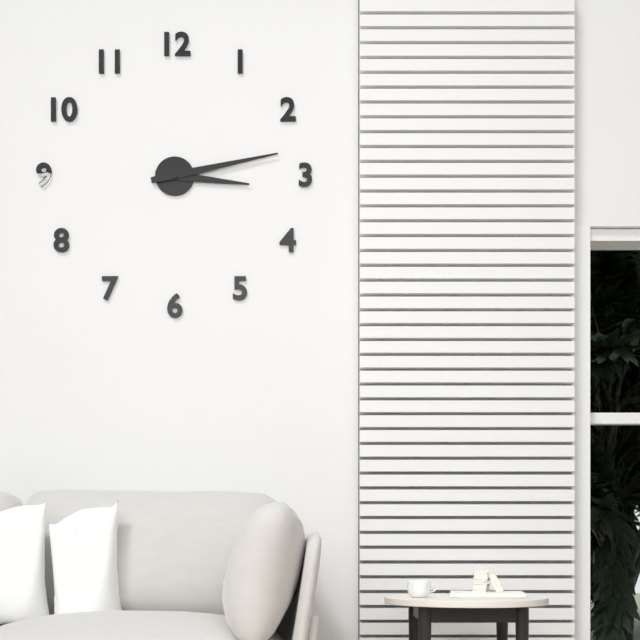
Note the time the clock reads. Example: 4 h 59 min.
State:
3 h 13 min
